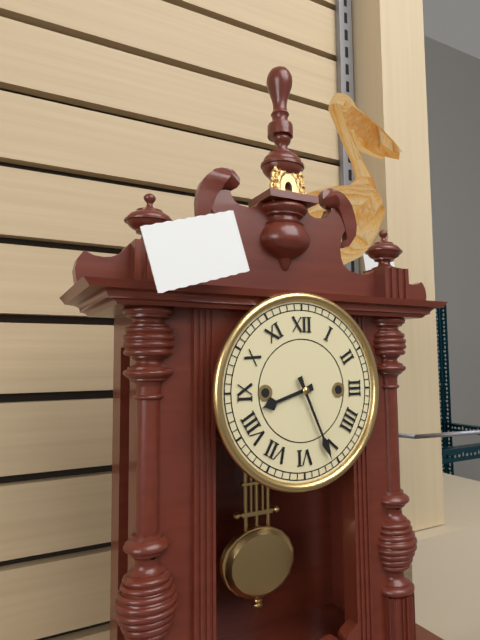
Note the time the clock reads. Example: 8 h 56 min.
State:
8 h 26 min
